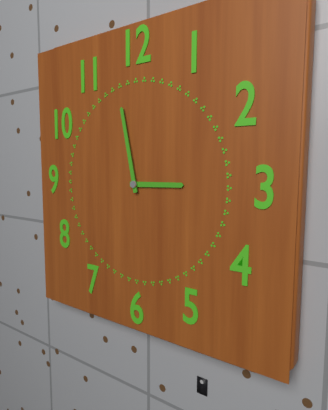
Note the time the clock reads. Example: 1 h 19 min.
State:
2 h 58 min
